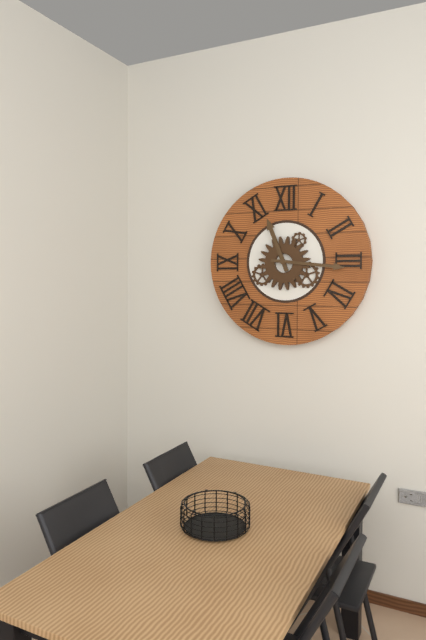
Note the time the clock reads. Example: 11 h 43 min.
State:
11 h 16 min
